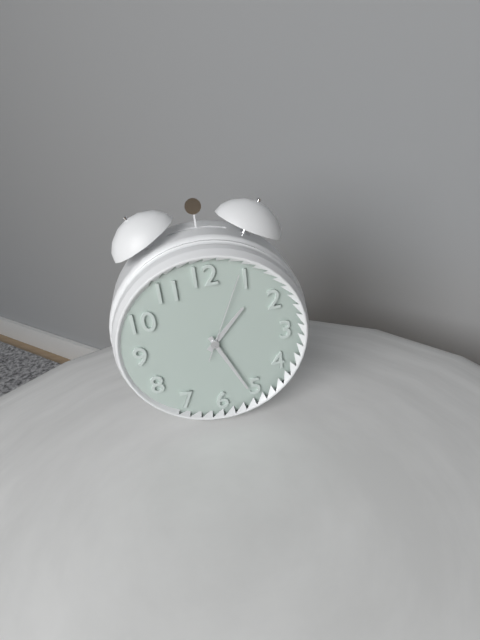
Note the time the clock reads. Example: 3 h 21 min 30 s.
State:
1 h 26 min 04 s
